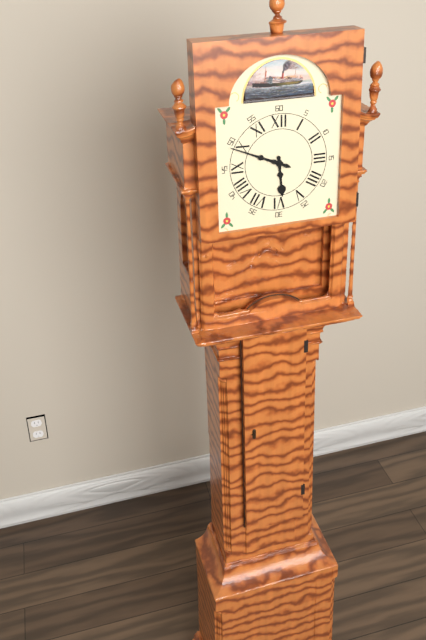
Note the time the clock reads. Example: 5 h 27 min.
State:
5 h 49 min
